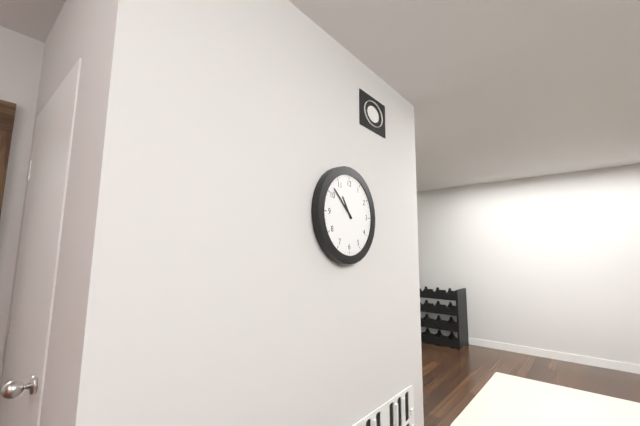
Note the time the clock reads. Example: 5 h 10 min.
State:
10 h 52 min
